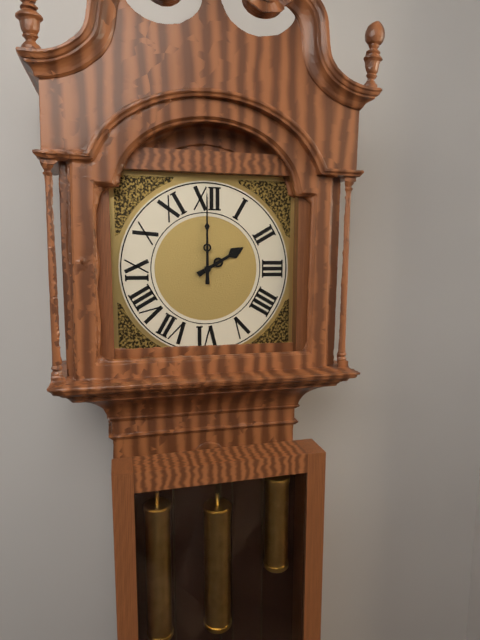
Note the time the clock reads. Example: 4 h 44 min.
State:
2 h 00 min
